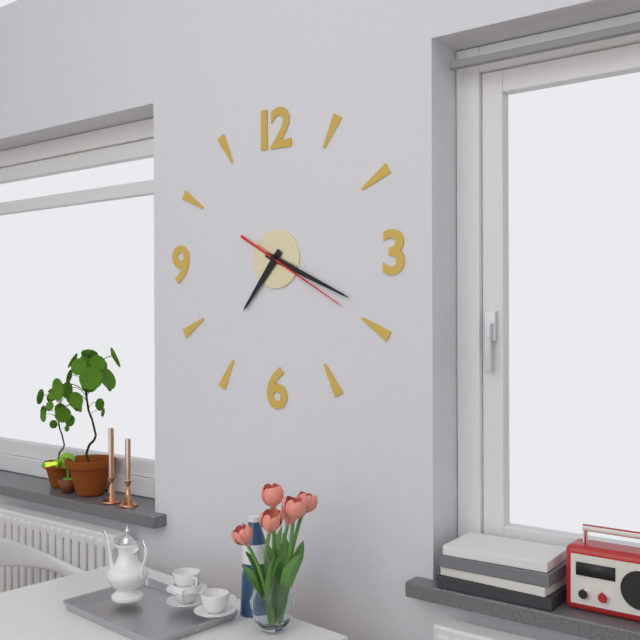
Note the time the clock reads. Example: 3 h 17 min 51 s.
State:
7 h 19 min 20 s
